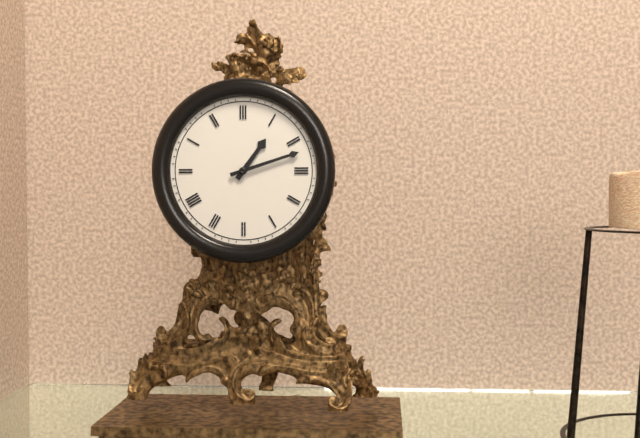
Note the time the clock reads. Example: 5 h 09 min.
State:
1 h 12 min
